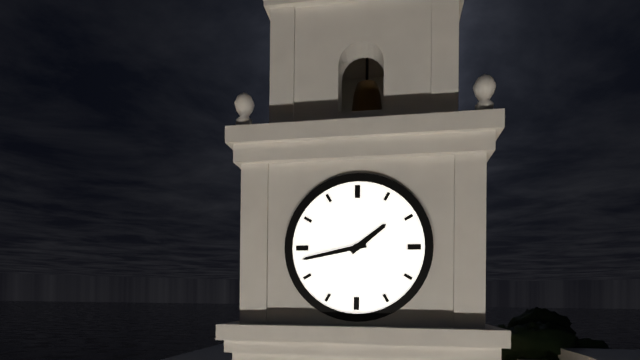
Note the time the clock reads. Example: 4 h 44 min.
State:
1 h 43 min
